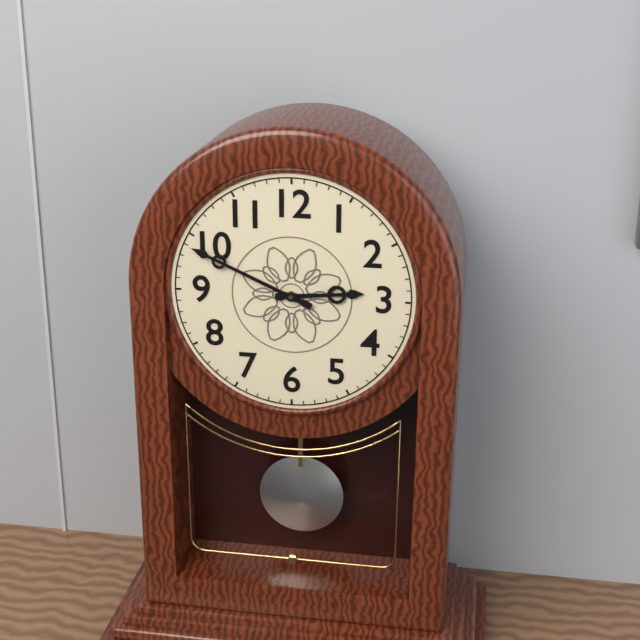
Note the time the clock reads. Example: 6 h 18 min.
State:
2 h 49 min
